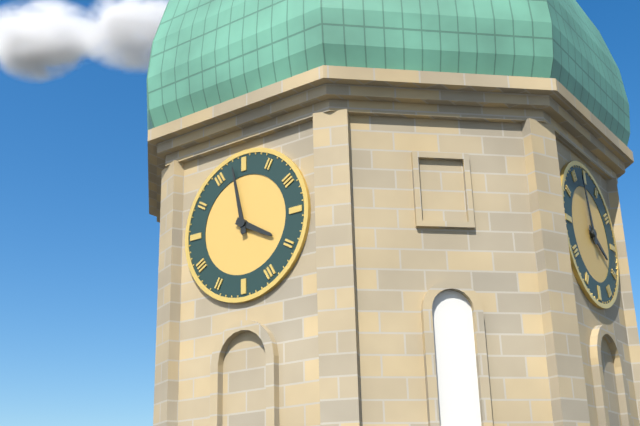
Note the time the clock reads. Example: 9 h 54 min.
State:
3 h 58 min
